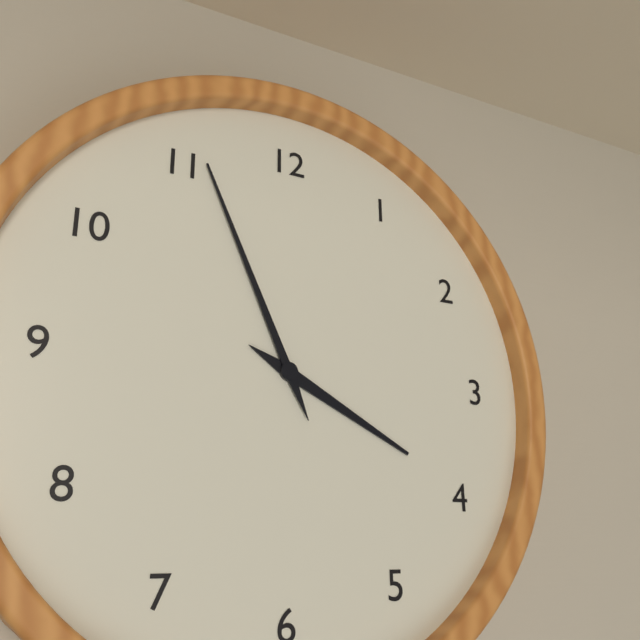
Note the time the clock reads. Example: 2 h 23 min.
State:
3 h 56 min
